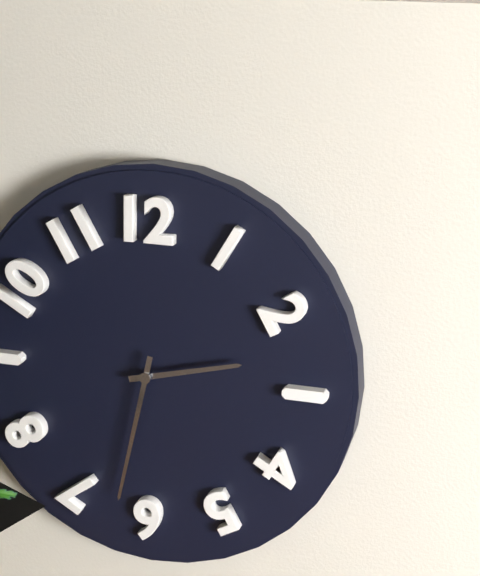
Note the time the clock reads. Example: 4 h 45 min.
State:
2 h 32 min
